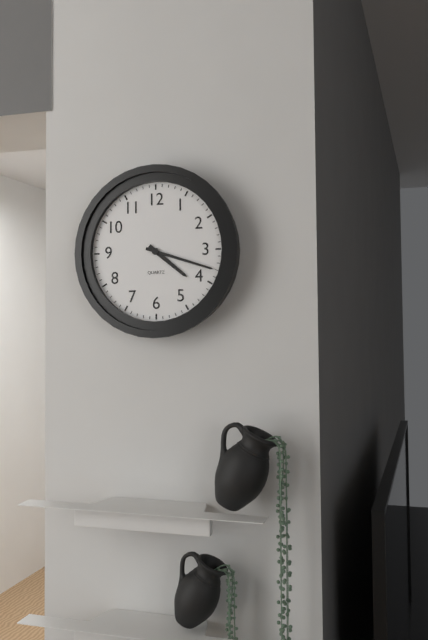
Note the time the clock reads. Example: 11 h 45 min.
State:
4 h 18 min
